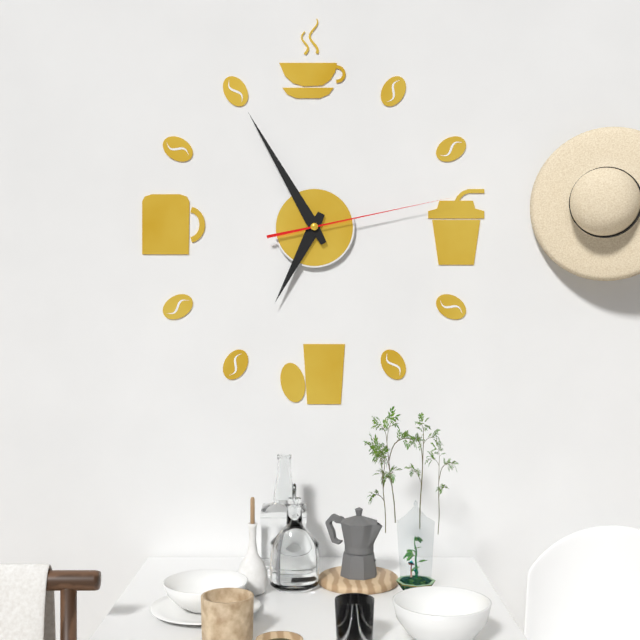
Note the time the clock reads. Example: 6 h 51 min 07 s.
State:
6 h 55 min 13 s
